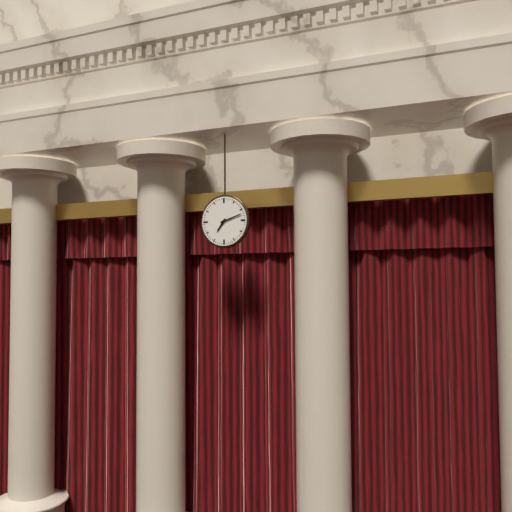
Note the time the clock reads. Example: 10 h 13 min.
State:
7 h 12 min
